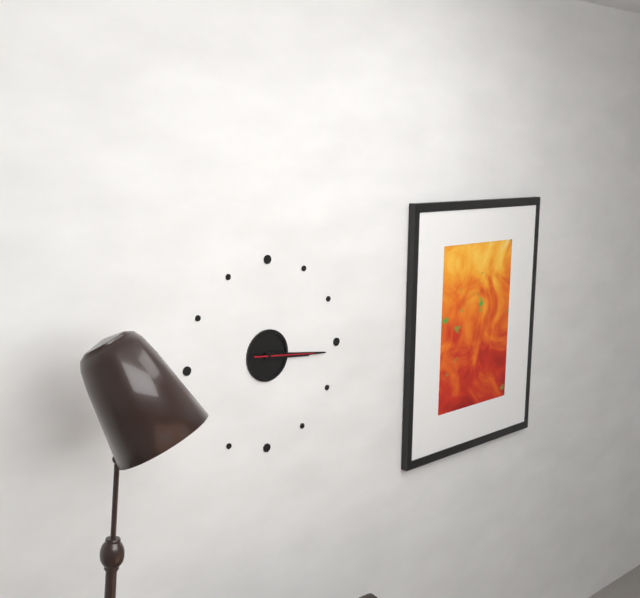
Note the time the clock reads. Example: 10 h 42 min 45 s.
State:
3 h 16 min 16 s
